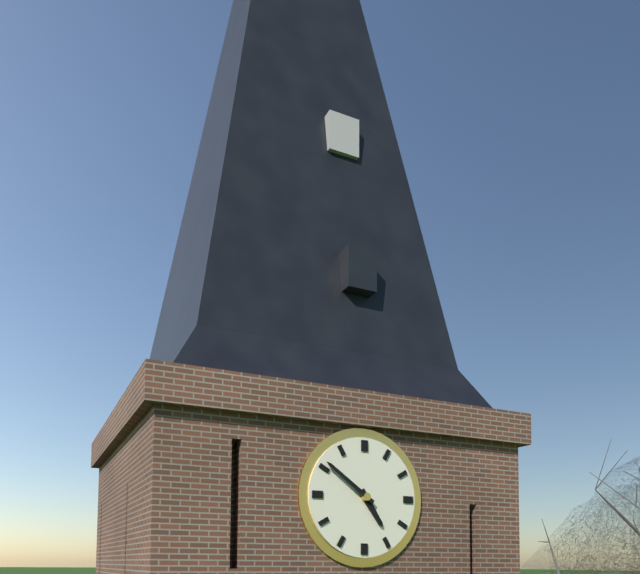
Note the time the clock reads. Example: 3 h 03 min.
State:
4 h 51 min
